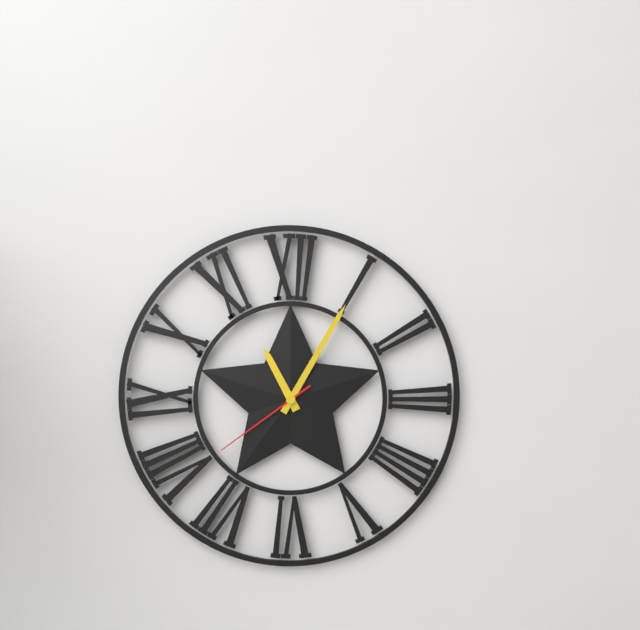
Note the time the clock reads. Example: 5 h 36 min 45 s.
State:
11 h 05 min 39 s
